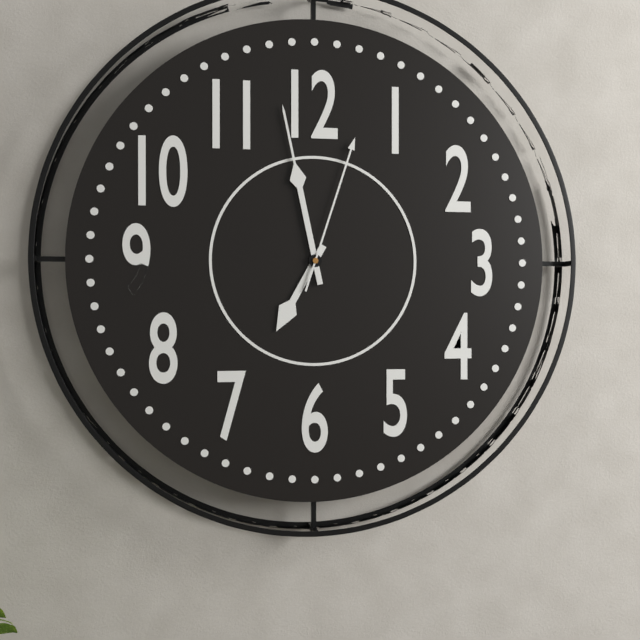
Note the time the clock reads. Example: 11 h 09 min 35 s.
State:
6 h 58 min 03 s
